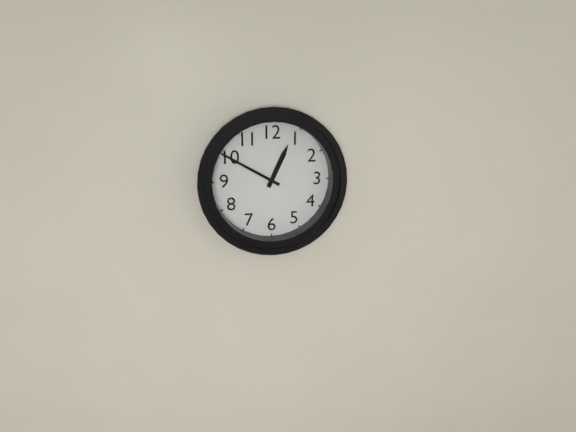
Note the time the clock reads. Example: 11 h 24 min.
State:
12 h 50 min
